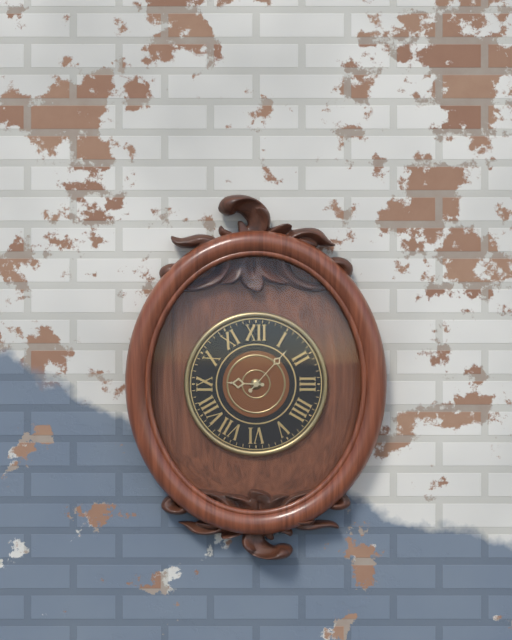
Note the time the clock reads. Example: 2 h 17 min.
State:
9 h 07 min
